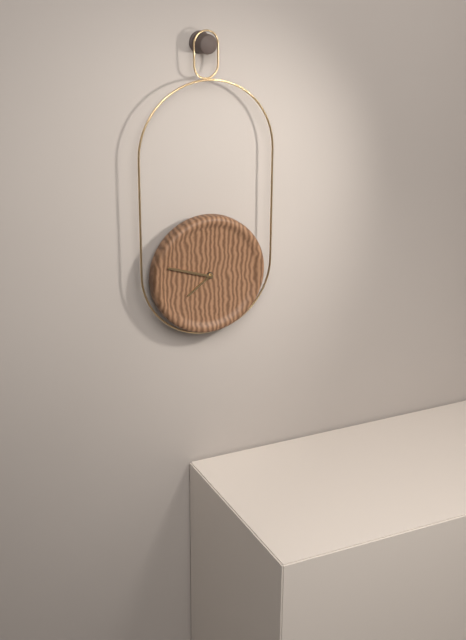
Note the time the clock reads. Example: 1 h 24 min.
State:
7 h 48 min
